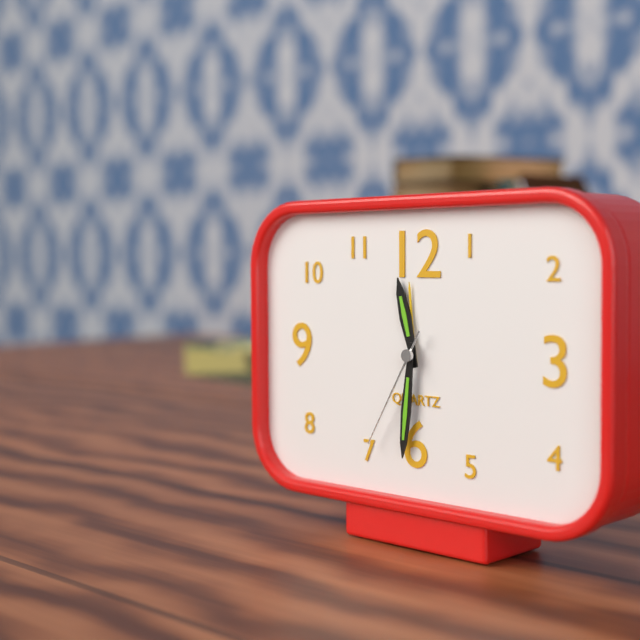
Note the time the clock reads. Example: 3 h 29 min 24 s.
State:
11 h 31 min 35 s
